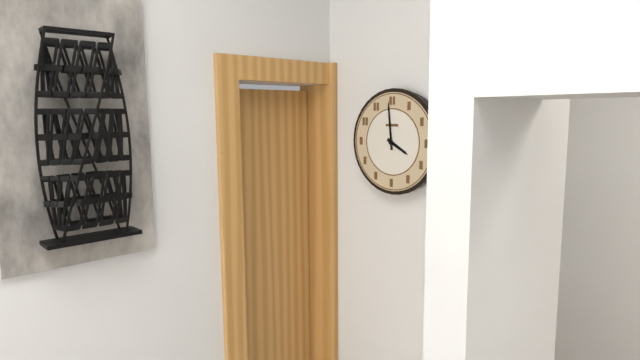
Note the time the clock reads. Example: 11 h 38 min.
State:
3 h 59 min
